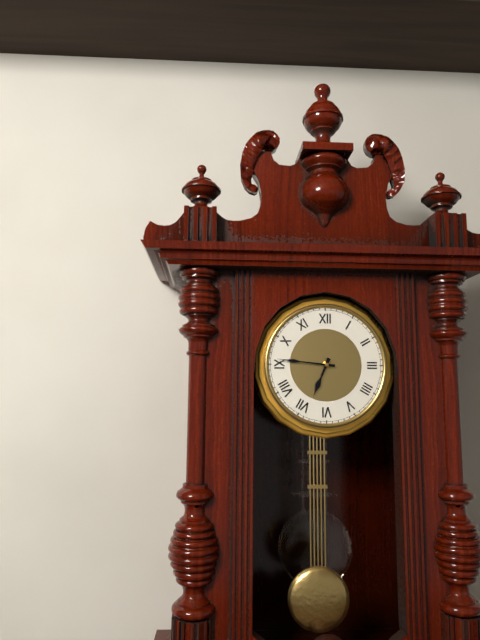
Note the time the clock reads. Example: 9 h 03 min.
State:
6 h 46 min
